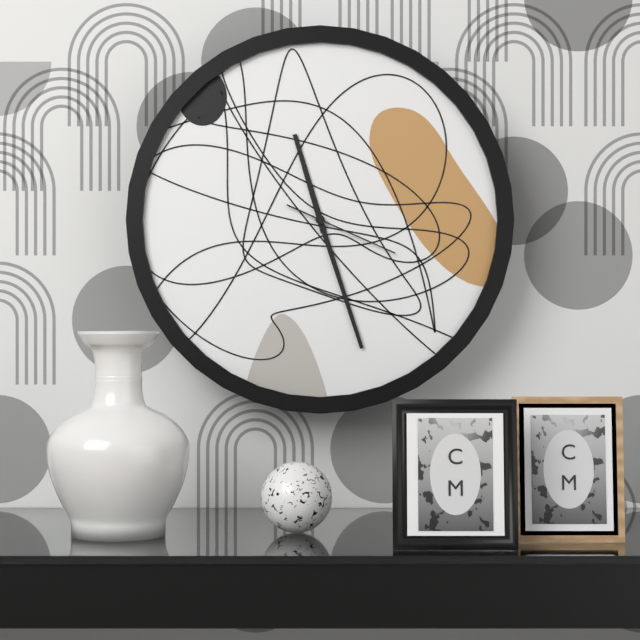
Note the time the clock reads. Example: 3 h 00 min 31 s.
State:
11 h 27 min 19 s
